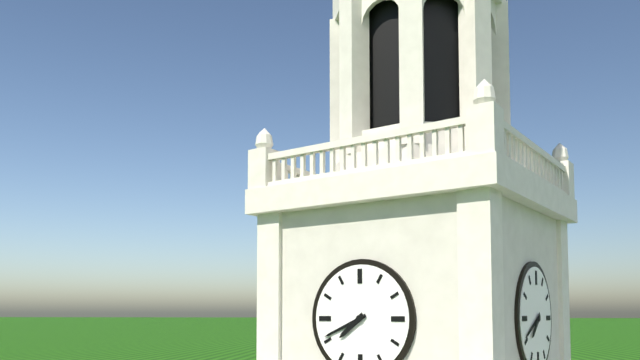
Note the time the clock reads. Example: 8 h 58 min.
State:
7 h 41 min
